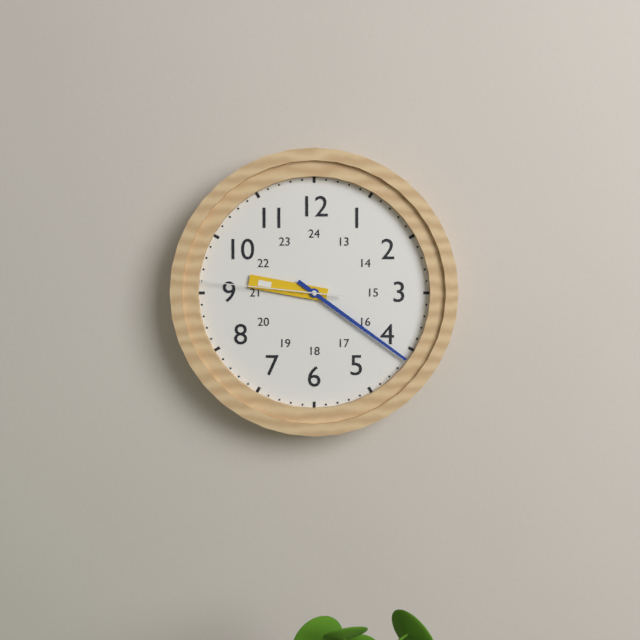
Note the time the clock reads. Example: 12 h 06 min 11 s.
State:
9 h 21 min 46 s
